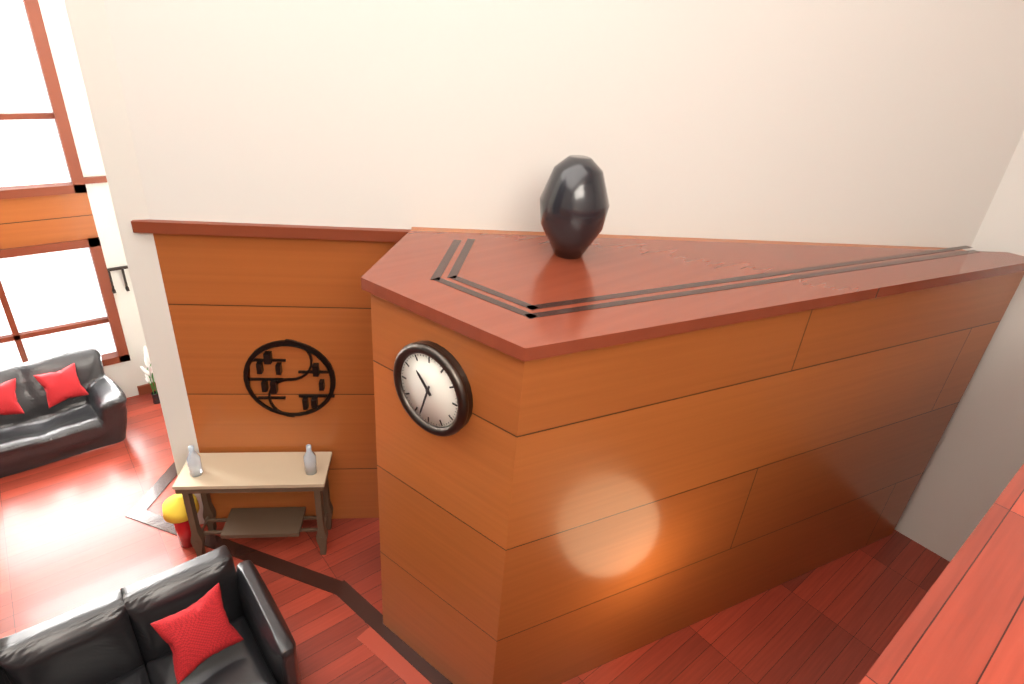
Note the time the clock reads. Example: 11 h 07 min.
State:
10 h 33 min
